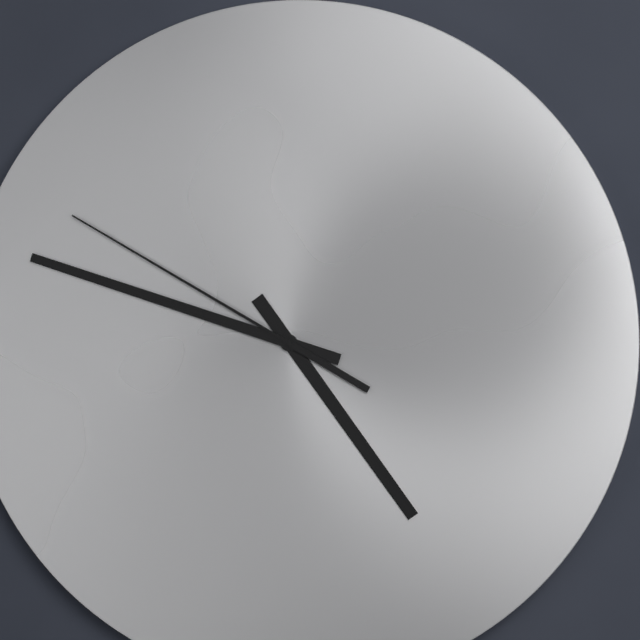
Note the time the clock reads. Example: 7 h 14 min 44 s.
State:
4 h 48 min 50 s
